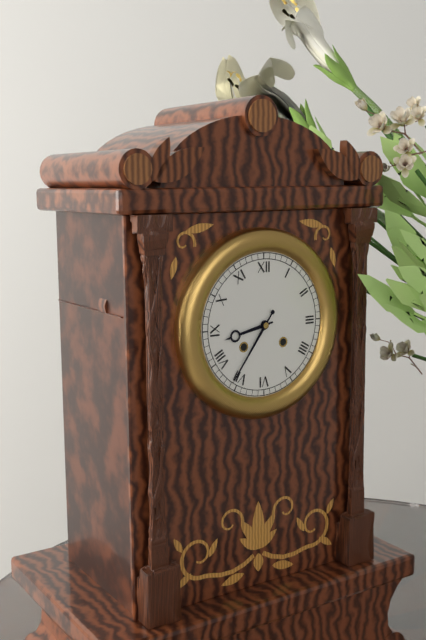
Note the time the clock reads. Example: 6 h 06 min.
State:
8 h 36 min
